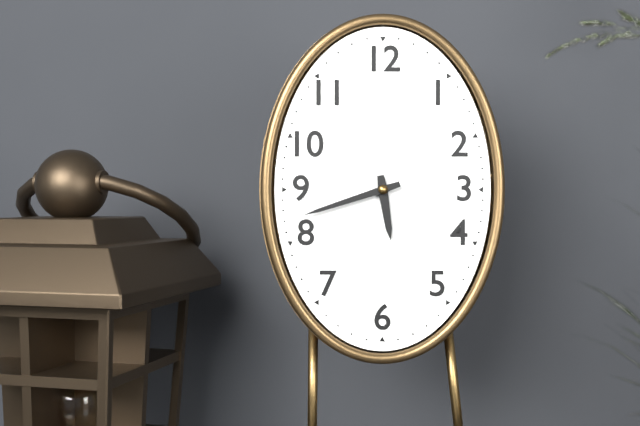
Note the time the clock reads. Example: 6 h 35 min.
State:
5 h 42 min
